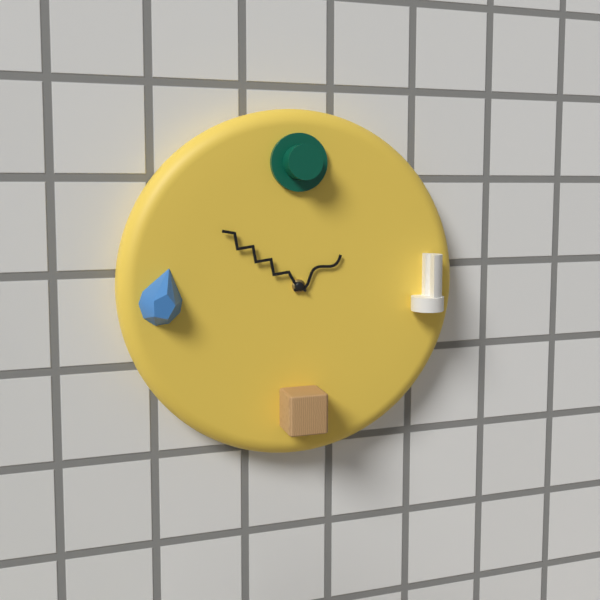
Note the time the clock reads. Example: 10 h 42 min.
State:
1 h 51 min
